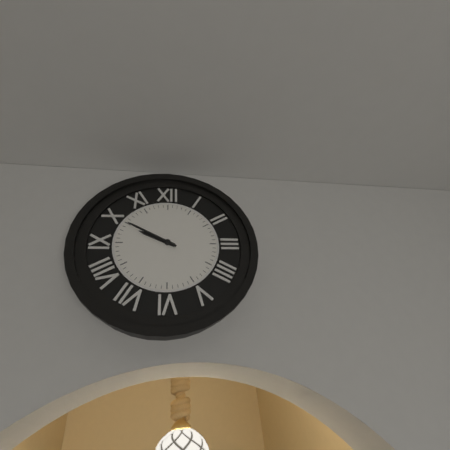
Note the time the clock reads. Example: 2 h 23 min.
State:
9 h 50 min
